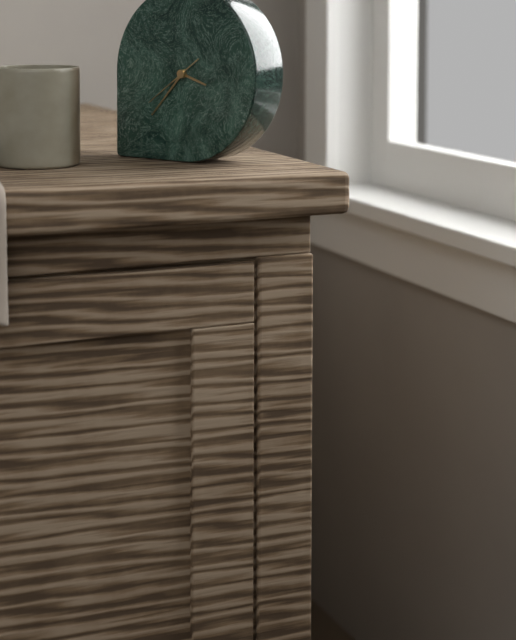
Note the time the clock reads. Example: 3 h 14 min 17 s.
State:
3 h 37 min 39 s
